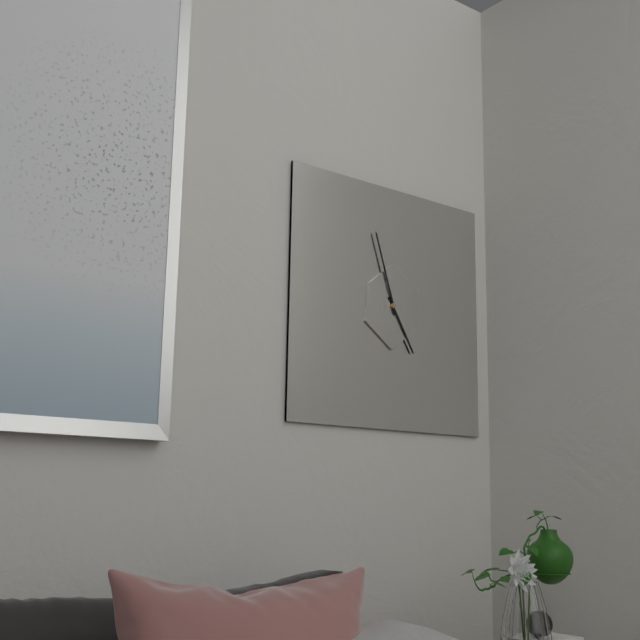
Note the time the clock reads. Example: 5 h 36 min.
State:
4 h 57 min
